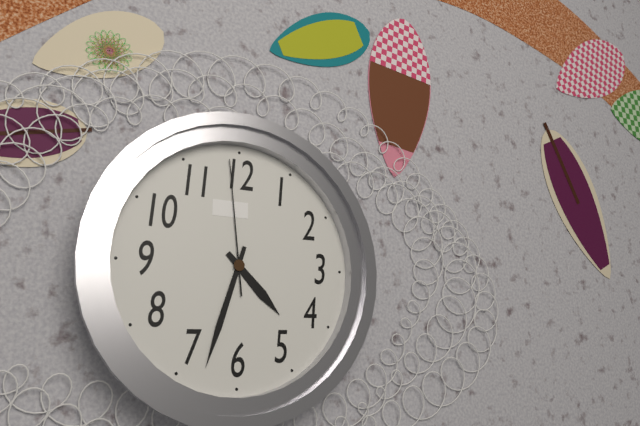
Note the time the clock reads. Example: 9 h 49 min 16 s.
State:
4 h 33 min 59 s
